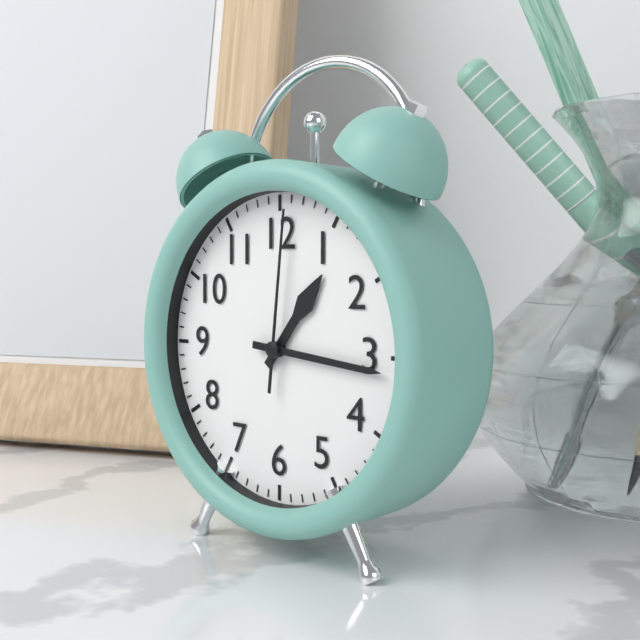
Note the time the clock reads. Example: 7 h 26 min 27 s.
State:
1 h 16 min 01 s
